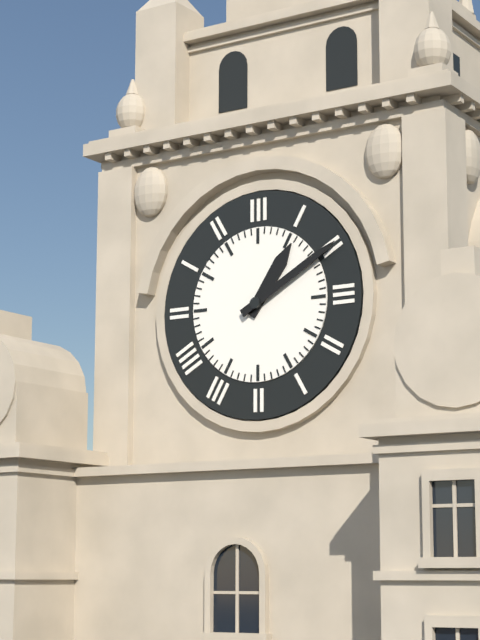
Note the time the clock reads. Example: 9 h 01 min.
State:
1 h 10 min
